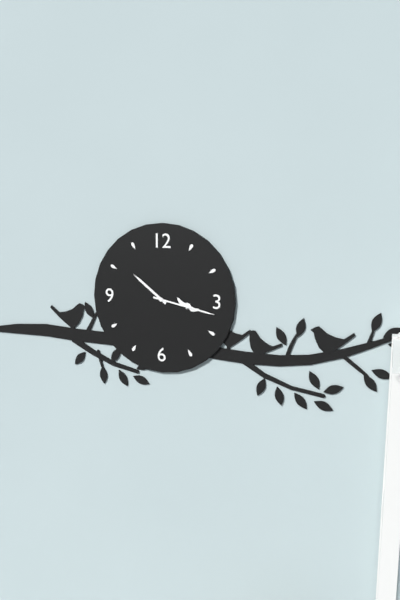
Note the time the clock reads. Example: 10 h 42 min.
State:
10 h 17 min
